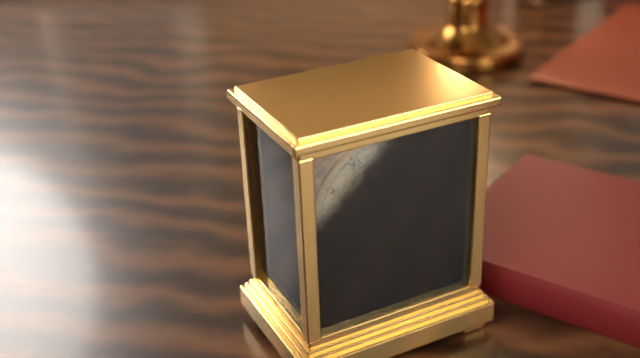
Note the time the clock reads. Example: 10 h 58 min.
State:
4 h 59 min
